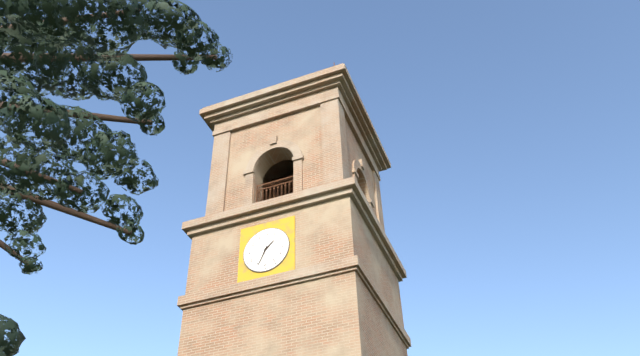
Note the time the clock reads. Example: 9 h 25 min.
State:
1 h 34 min
